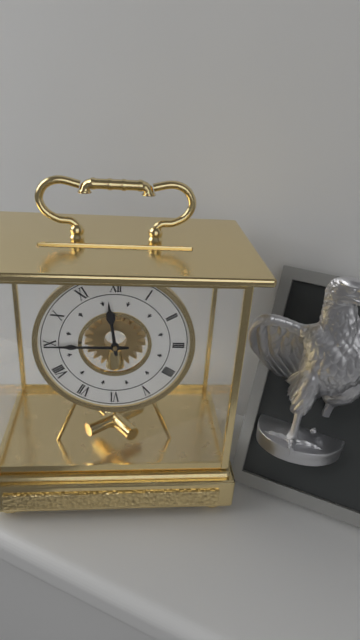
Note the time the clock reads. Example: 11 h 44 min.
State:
11 h 45 min
